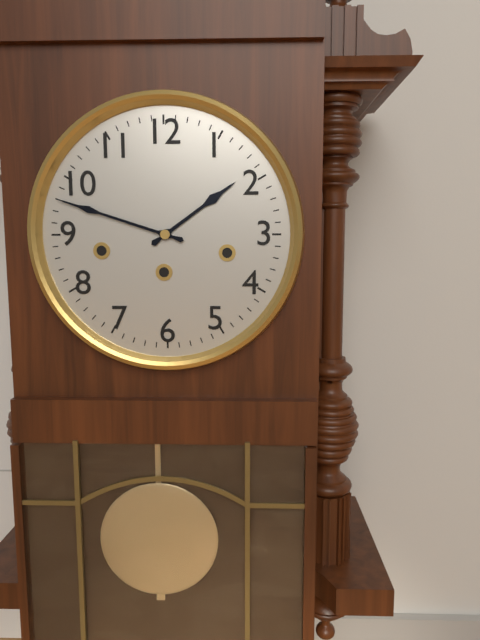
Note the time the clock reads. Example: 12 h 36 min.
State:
1 h 48 min
